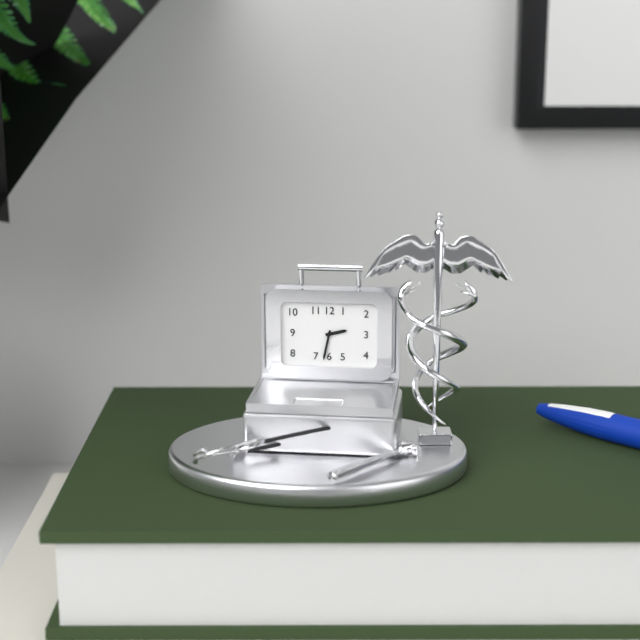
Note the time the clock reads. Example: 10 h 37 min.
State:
2 h 32 min
